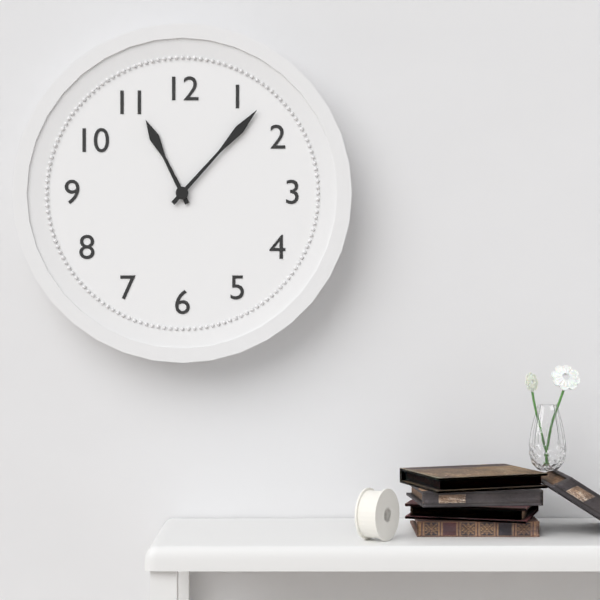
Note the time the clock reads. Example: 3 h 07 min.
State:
11 h 07 min
